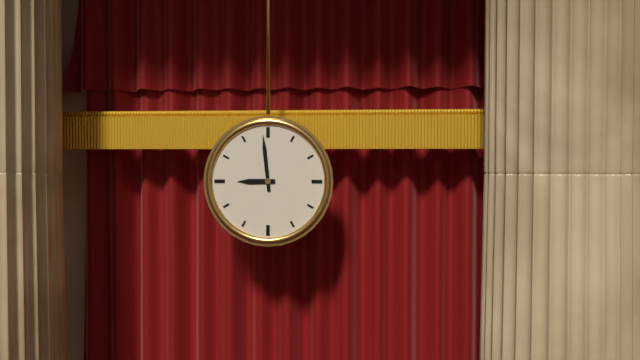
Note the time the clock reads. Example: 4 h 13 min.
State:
8 h 59 min
